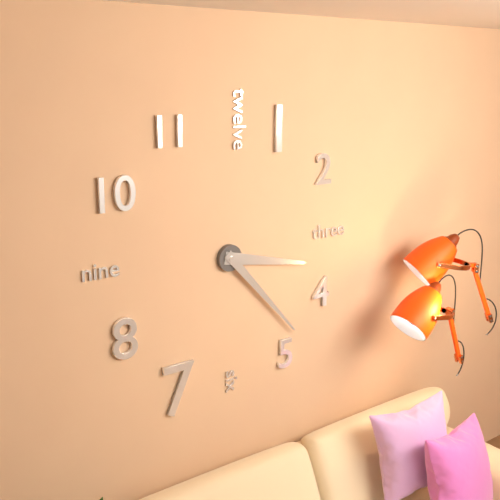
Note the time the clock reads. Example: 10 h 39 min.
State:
3 h 23 min
